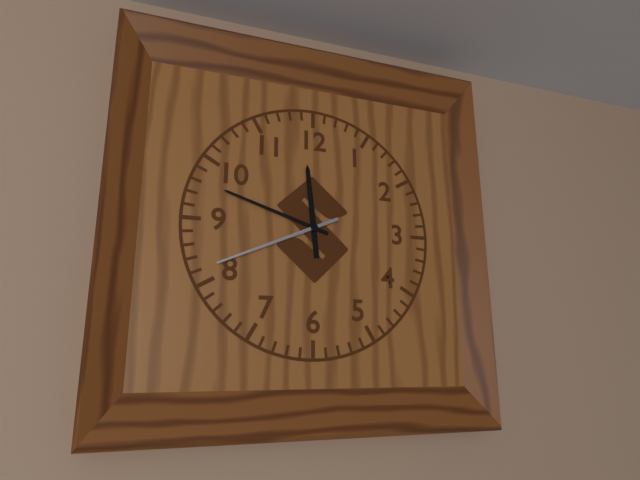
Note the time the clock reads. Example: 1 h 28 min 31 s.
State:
11 h 48 min 41 s
